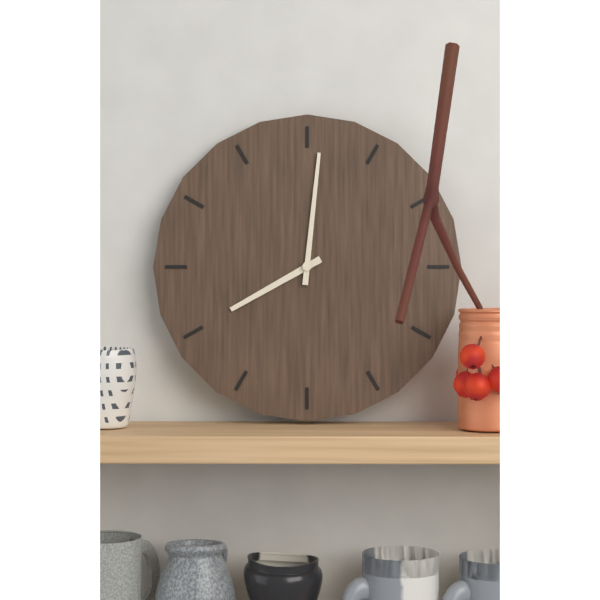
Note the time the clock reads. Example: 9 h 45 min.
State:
8 h 01 min
